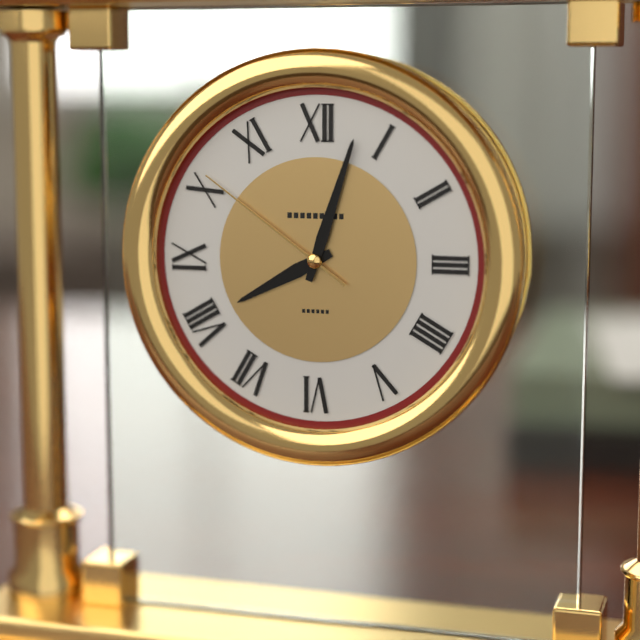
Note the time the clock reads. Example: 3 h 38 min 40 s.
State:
8 h 03 min 51 s
